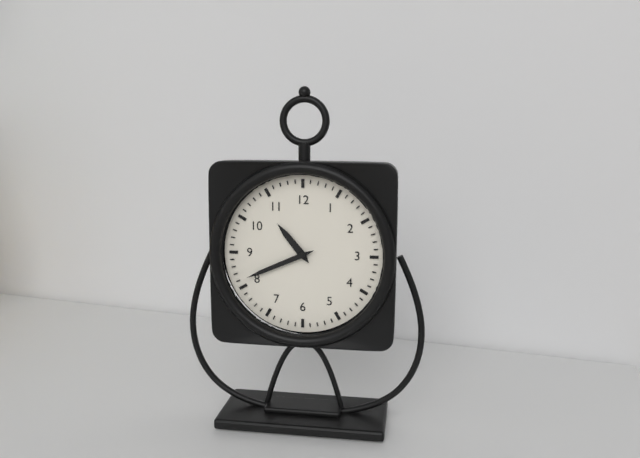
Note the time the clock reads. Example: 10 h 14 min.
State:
10 h 41 min
